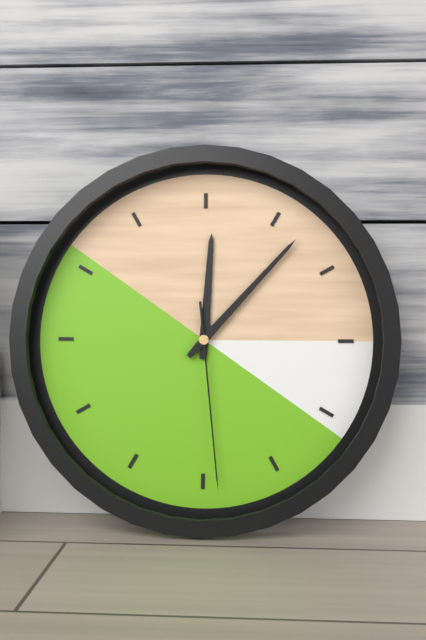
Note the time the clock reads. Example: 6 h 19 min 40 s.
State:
12 h 07 min 29 s
